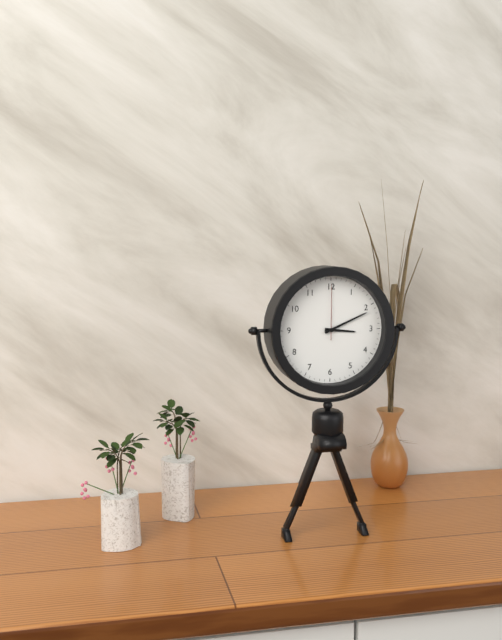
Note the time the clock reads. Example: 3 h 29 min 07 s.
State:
3 h 11 min 00 s
